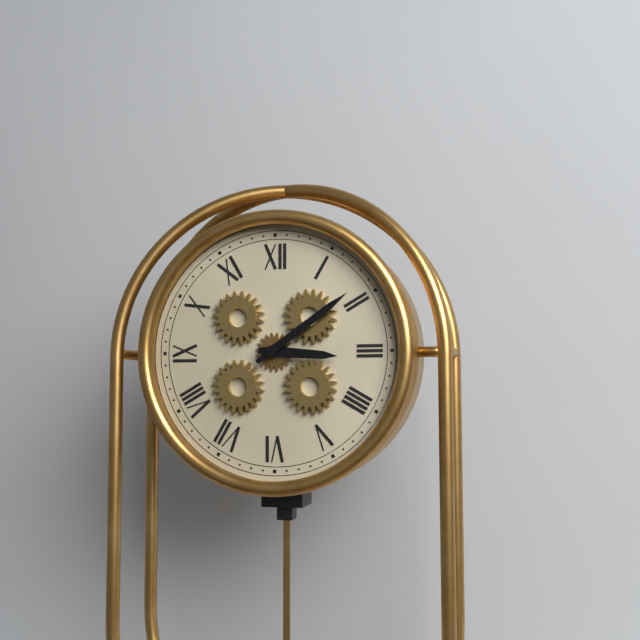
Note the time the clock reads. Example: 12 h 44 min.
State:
3 h 09 min
